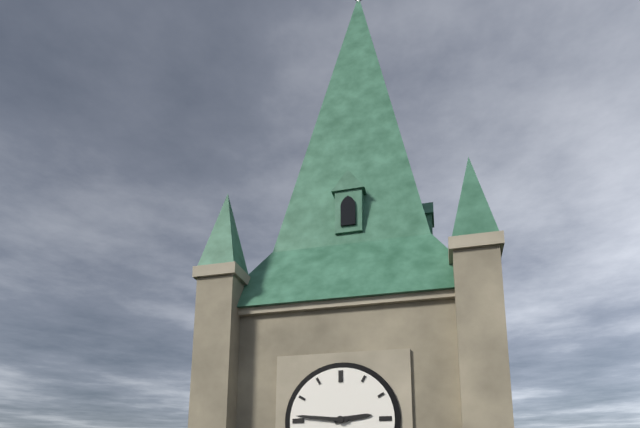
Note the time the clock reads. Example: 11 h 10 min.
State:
2 h 46 min
